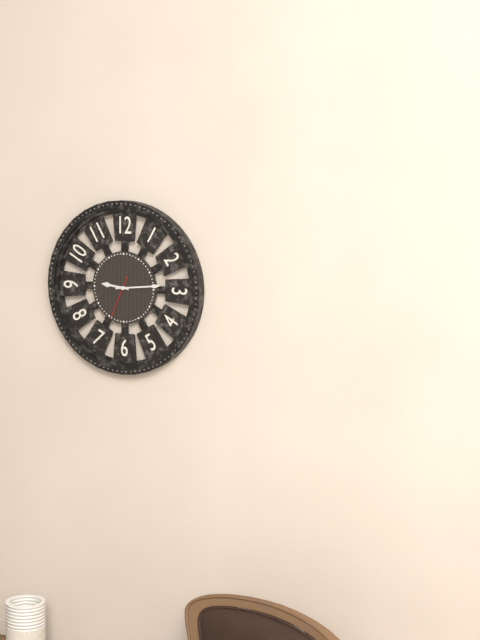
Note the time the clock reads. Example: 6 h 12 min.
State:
9 h 14 min
